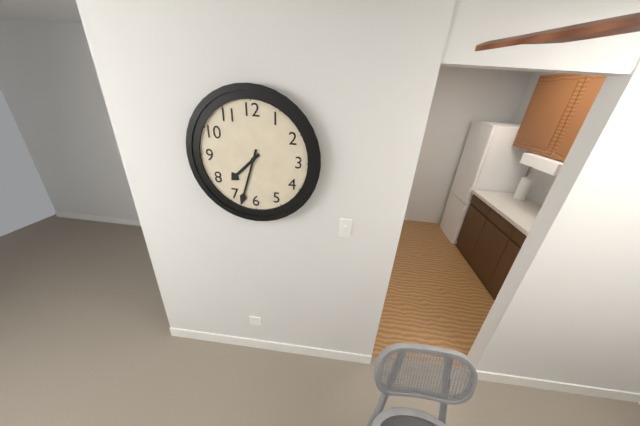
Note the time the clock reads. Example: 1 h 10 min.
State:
7 h 33 min
